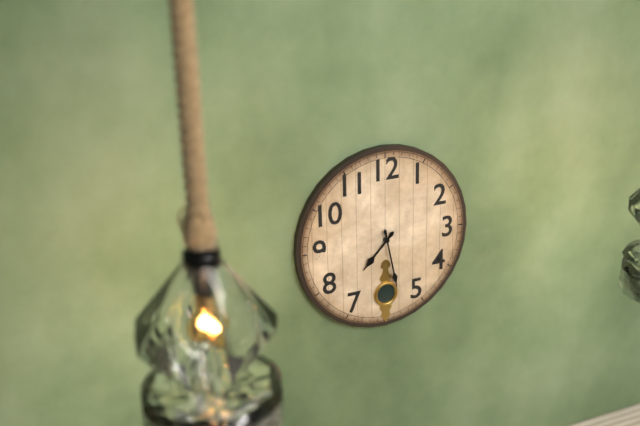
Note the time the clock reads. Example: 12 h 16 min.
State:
7 h 28 min
